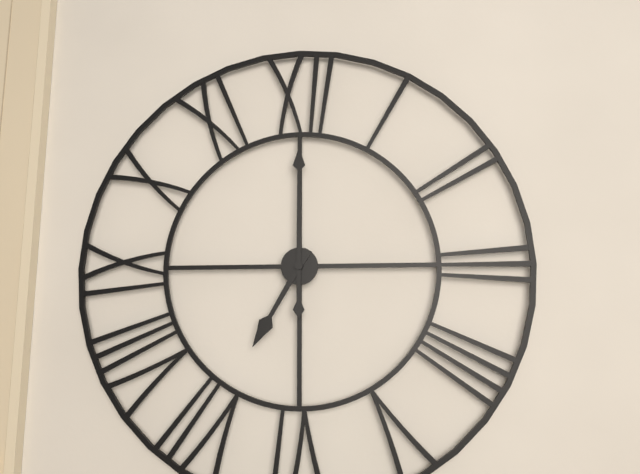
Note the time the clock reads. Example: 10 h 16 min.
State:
7 h 00 min
